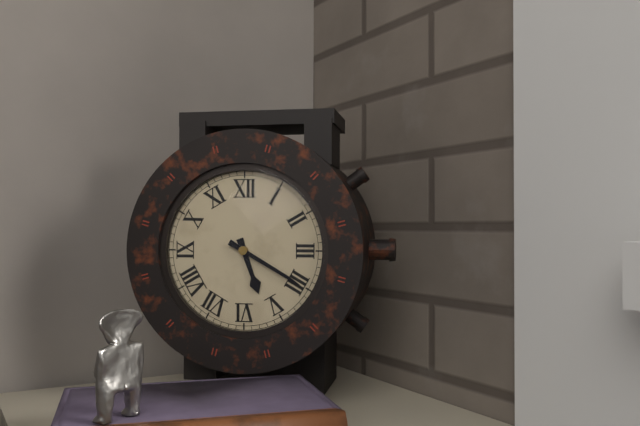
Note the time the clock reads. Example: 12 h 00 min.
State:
5 h 20 min
